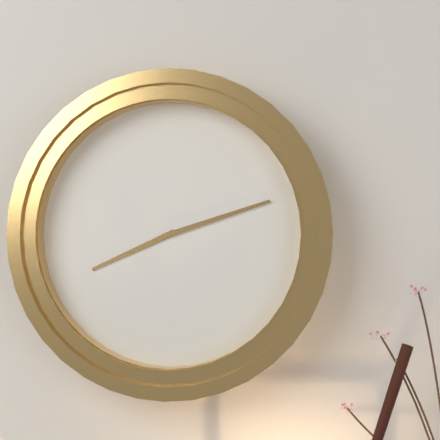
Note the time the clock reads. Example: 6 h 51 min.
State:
8 h 12 min
